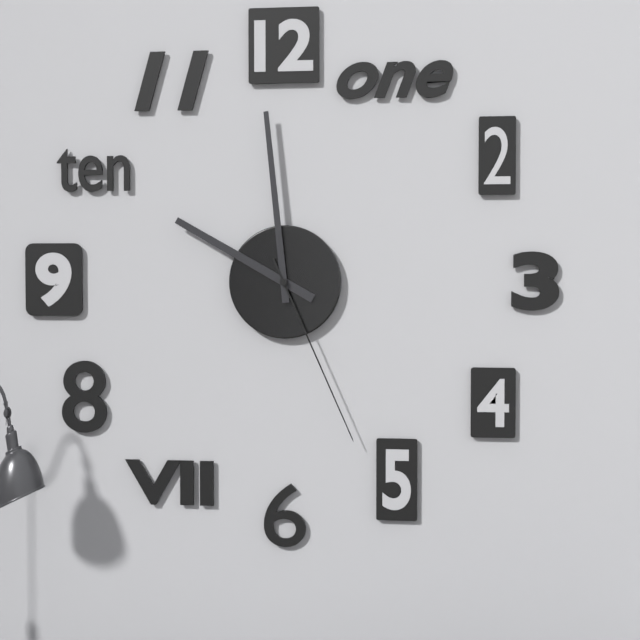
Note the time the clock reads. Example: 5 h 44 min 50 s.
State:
9 h 59 min 26 s
